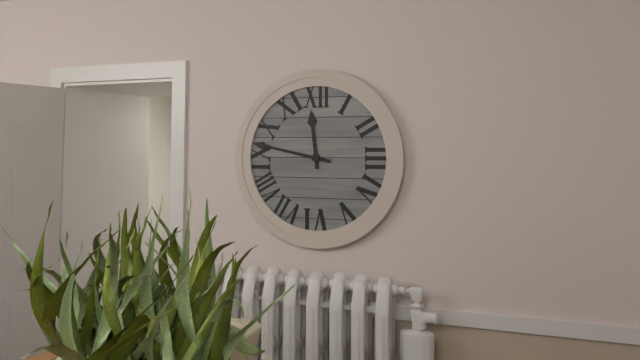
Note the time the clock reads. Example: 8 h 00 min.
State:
11 h 47 min
